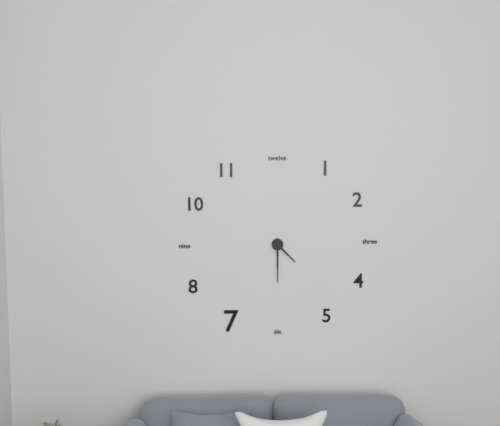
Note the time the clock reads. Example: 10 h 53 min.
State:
4 h 30 min
